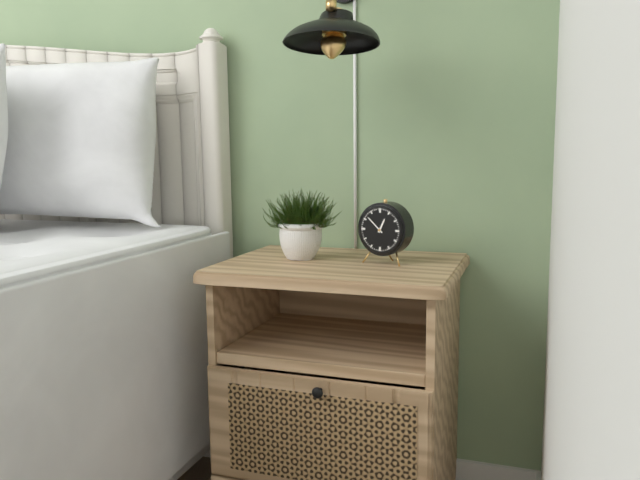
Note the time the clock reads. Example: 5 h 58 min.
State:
12 h 52 min
